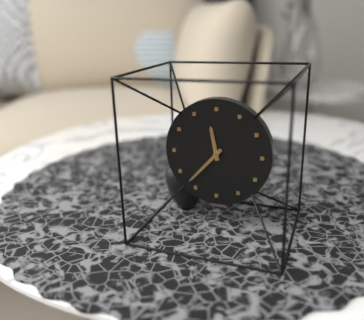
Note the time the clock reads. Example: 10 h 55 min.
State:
11 h 37 min
